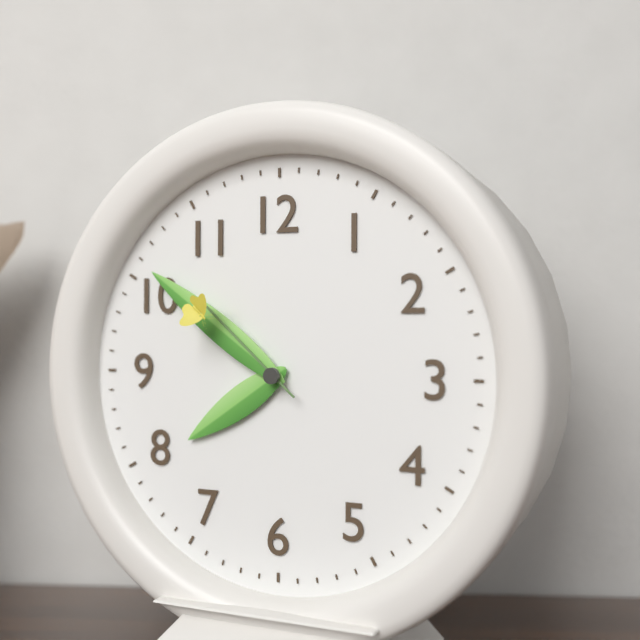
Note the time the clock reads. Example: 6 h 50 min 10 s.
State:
7 h 51 min 52 s
